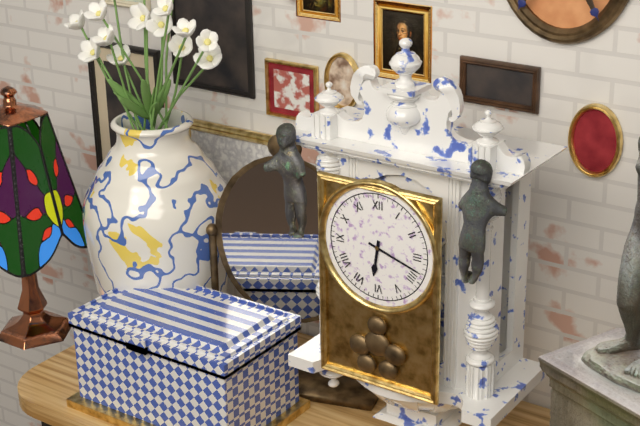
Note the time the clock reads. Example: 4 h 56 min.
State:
6 h 18 min
